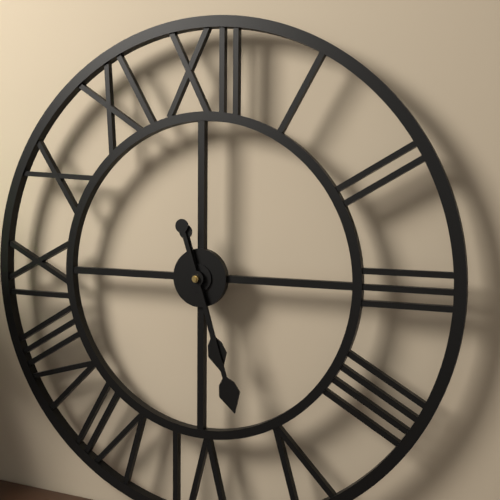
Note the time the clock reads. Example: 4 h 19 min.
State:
5 h 27 min
